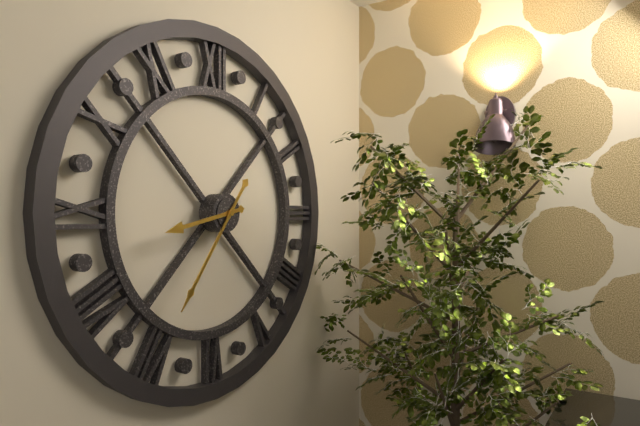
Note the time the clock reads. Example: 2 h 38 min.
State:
8 h 36 min
